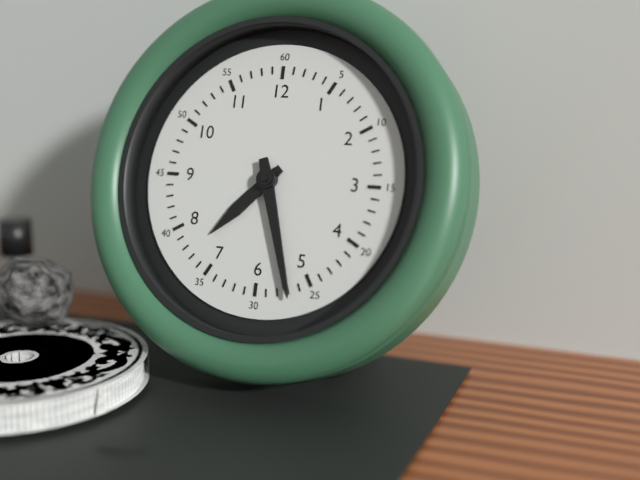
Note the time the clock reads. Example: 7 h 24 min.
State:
7 h 27 min
